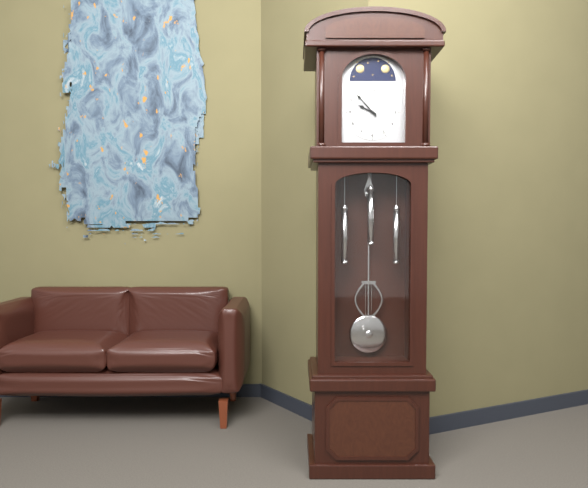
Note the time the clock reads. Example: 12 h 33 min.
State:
9 h 53 min
